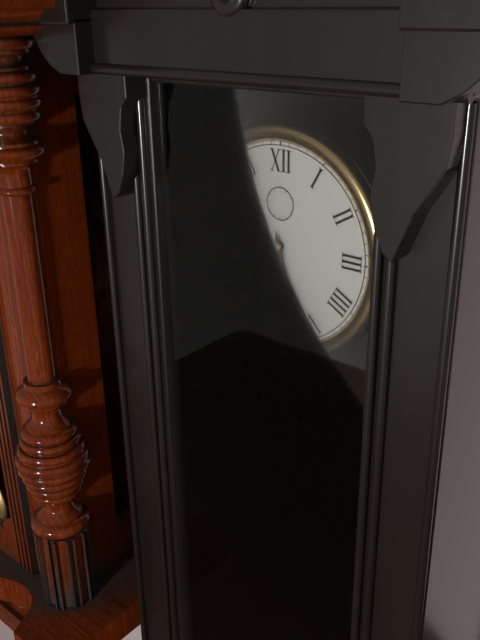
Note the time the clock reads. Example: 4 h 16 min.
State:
5 h 28 min
